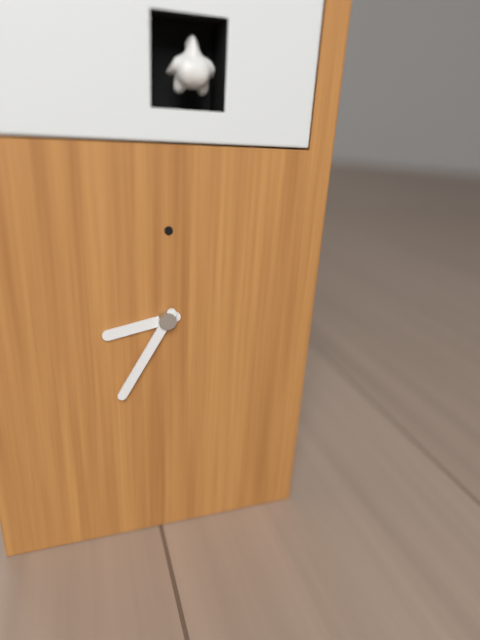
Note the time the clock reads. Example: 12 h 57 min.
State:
8 h 35 min
